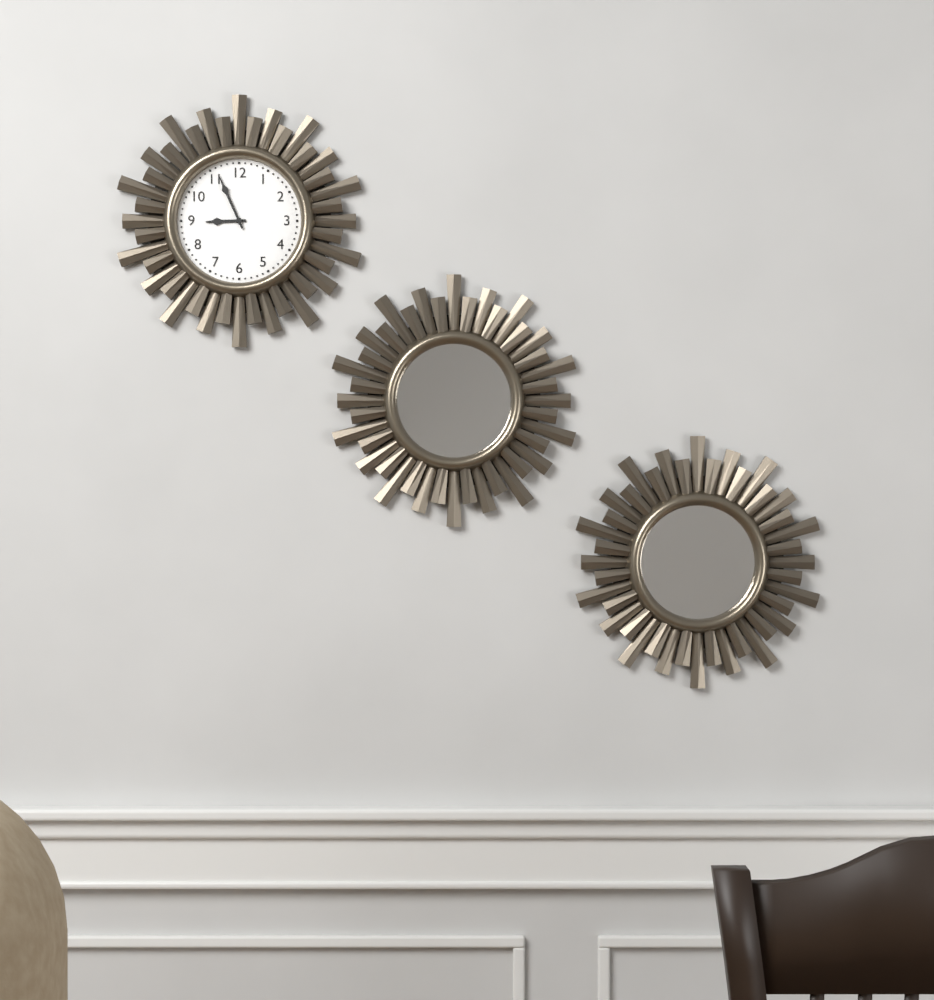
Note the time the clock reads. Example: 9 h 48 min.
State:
8 h 56 min
